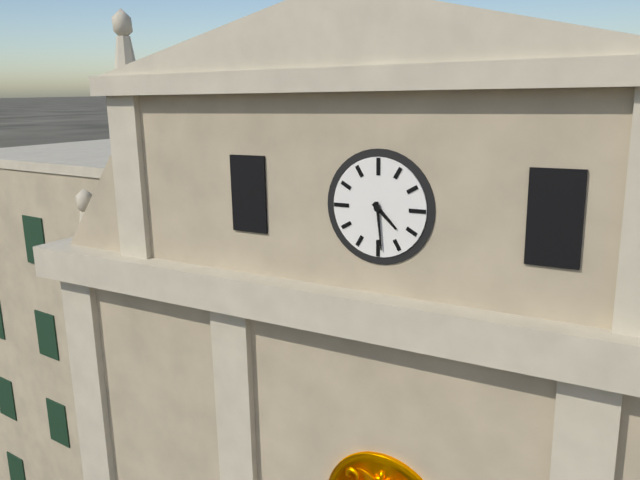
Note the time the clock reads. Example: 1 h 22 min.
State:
4 h 29 min
